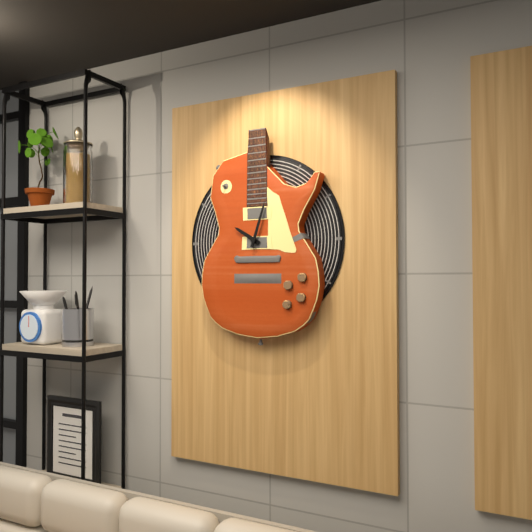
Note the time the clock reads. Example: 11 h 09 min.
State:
10 h 03 min
